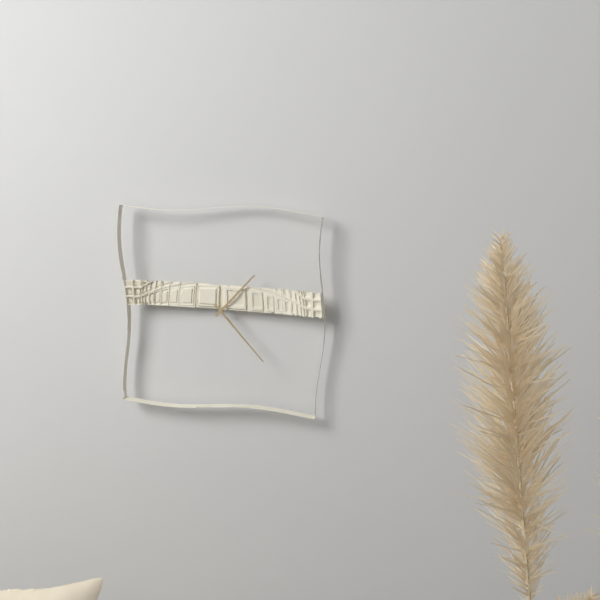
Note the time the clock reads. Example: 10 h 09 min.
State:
1 h 23 min
